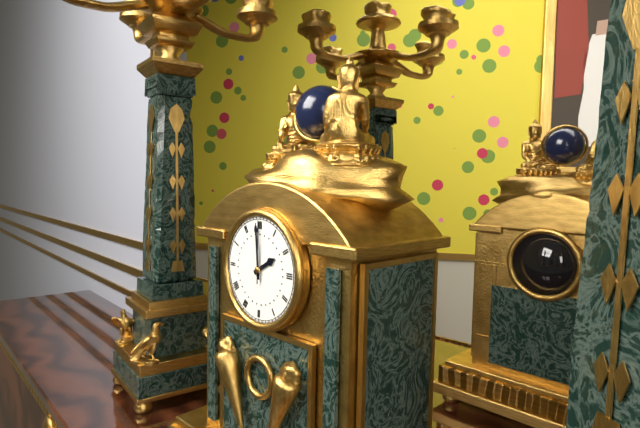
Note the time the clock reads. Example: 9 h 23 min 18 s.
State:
1 h 59 min 00 s
